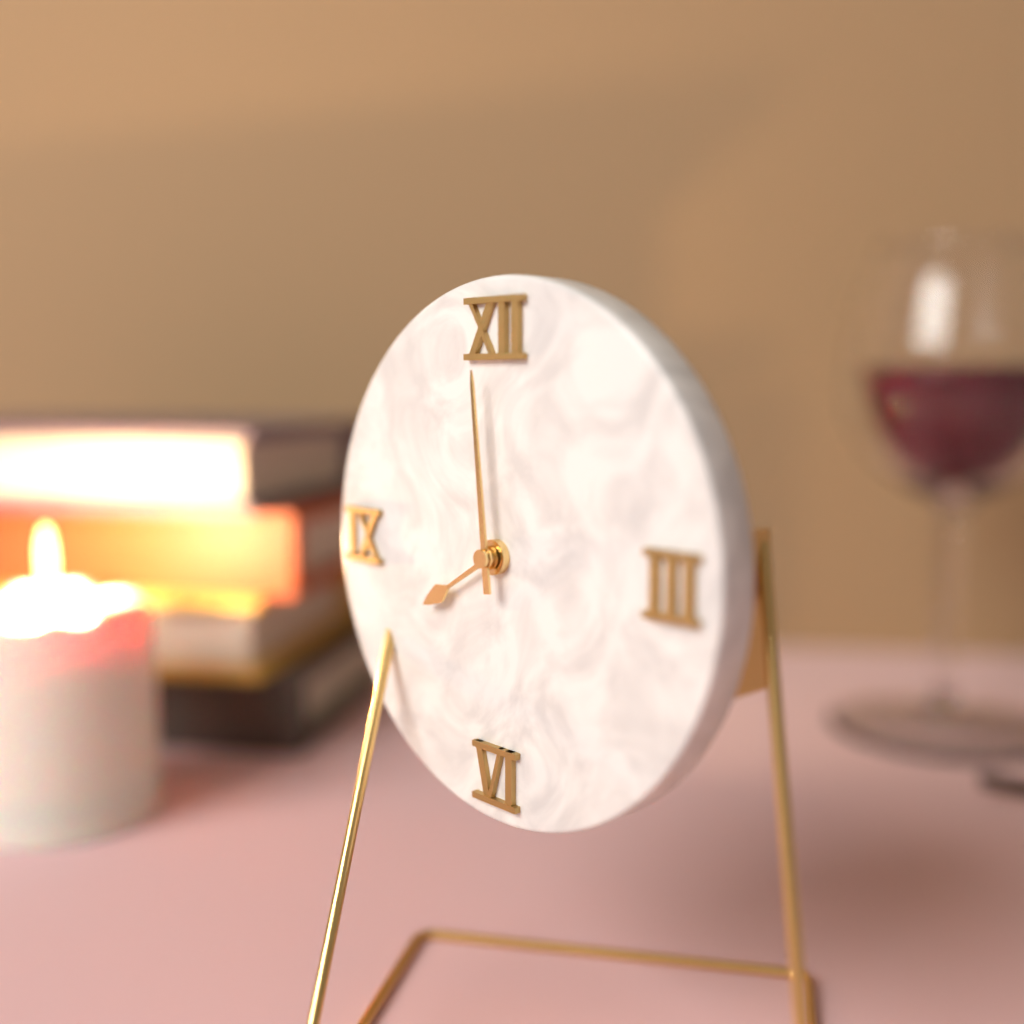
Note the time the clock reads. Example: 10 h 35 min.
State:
7 h 59 min
